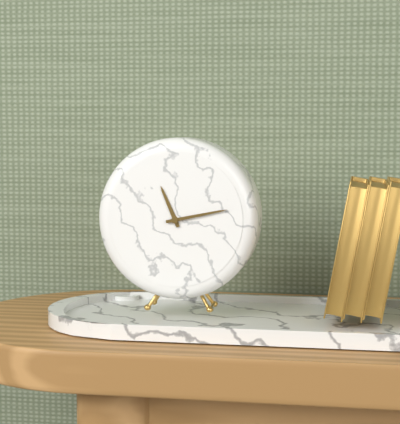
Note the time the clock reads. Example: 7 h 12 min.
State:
11 h 13 min
